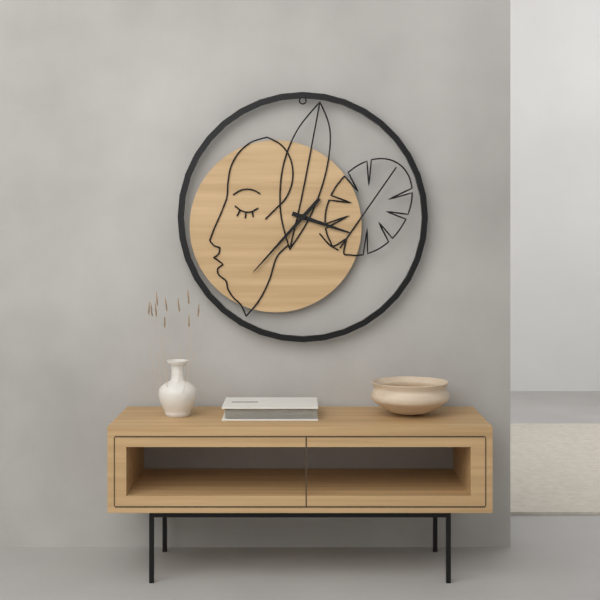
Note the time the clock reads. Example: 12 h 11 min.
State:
3 h 37 min
